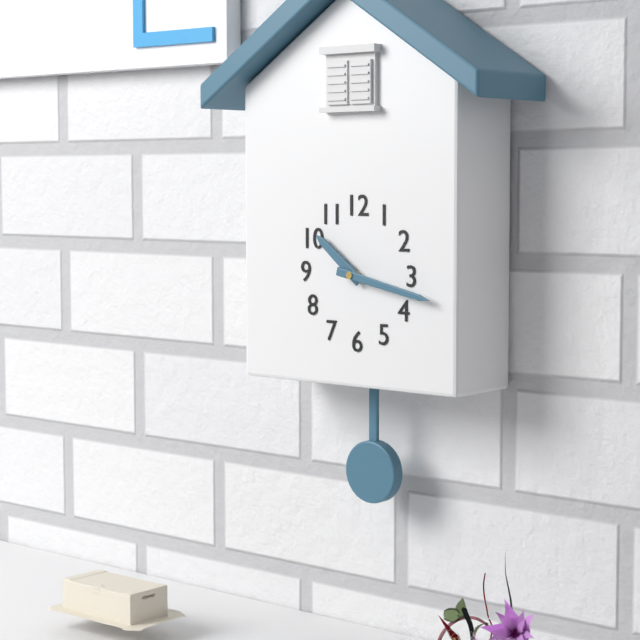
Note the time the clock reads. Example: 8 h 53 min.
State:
10 h 17 min
